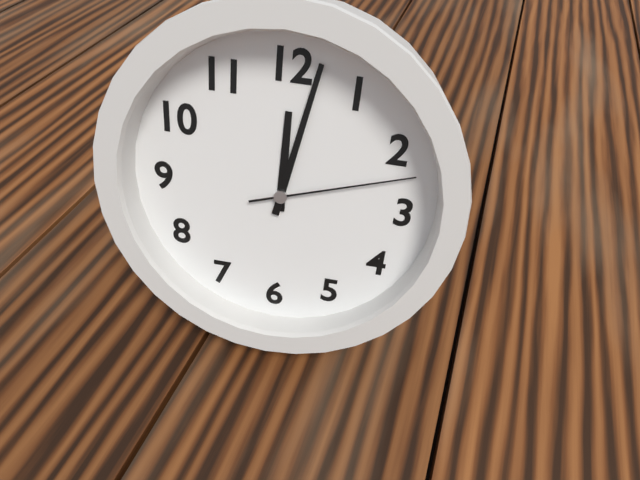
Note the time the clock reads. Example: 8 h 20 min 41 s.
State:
12 h 02 min 12 s
